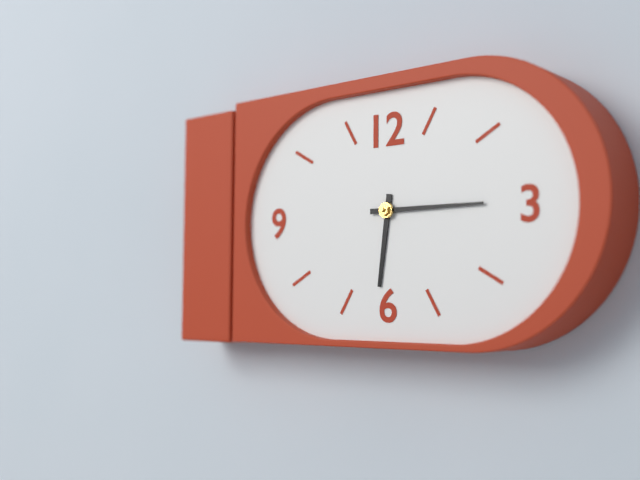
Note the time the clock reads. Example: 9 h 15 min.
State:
6 h 15 min
